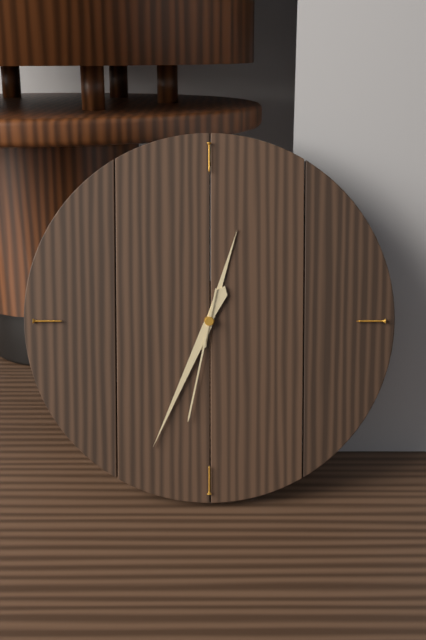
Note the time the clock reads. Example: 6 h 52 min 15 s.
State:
12 h 34 min 32 s
